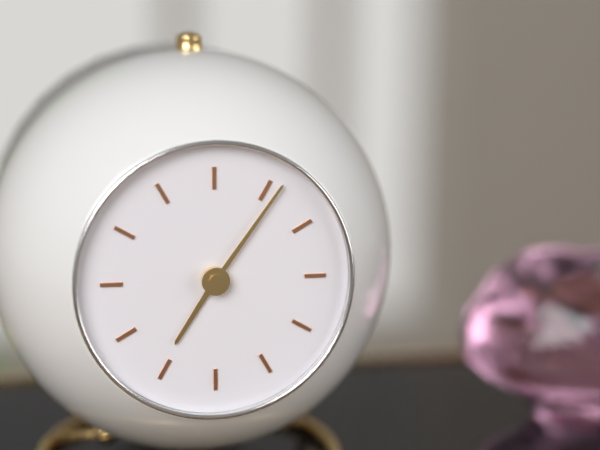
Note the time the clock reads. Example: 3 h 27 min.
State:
7 h 06 min
